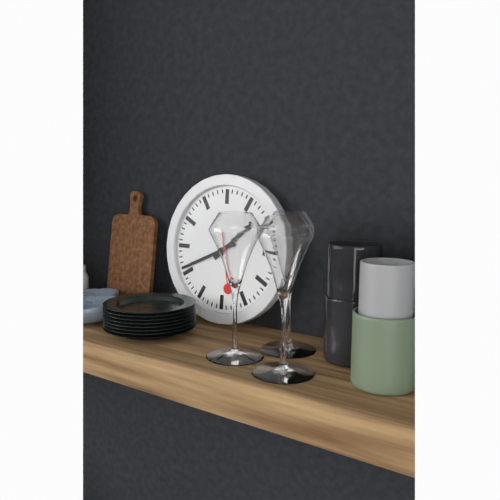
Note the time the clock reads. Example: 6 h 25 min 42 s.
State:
1 h 41 min 28 s
